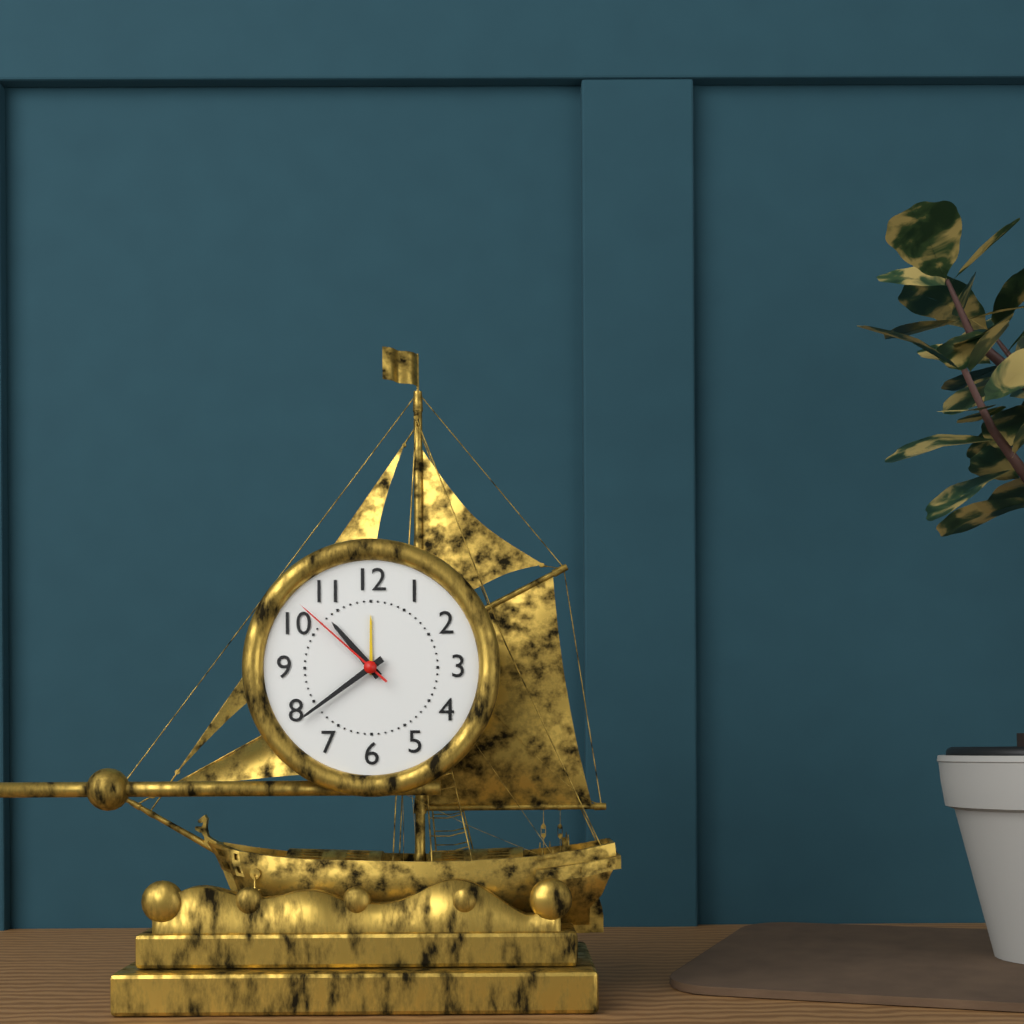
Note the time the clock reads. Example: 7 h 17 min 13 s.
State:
10 h 39 min 52 s
